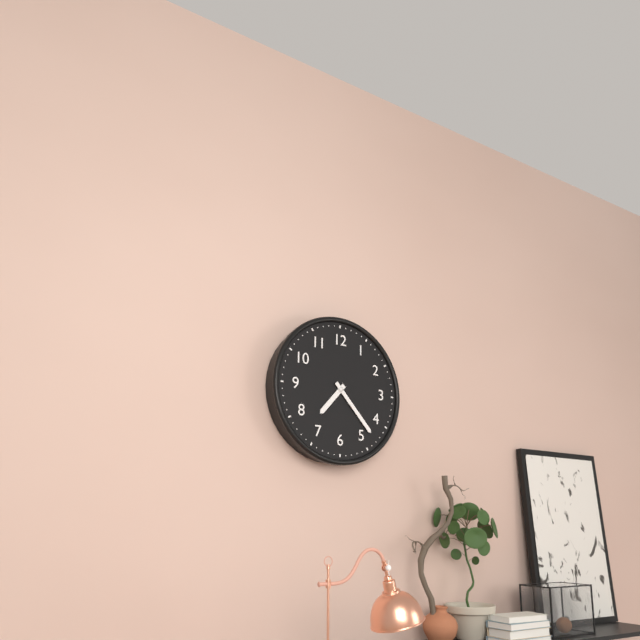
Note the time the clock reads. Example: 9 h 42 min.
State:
7 h 23 min
